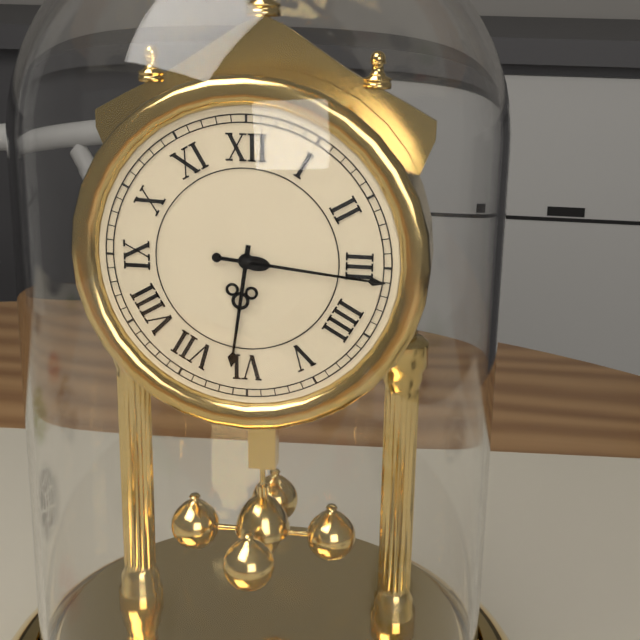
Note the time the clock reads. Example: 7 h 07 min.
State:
6 h 16 min
